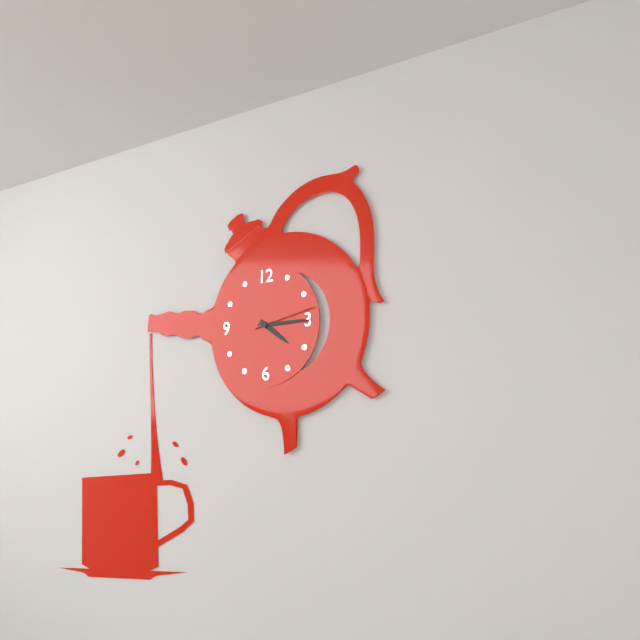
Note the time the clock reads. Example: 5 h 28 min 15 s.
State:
4 h 15 min 13 s
